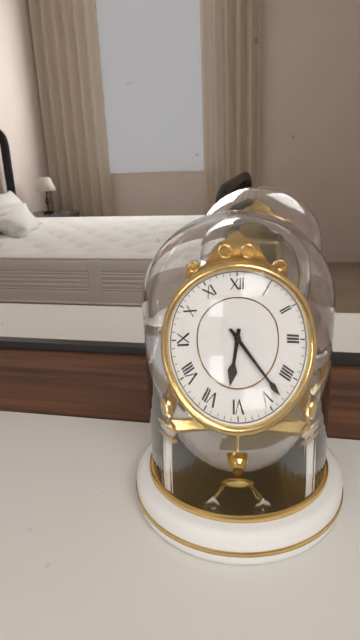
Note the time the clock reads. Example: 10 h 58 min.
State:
6 h 23 min
